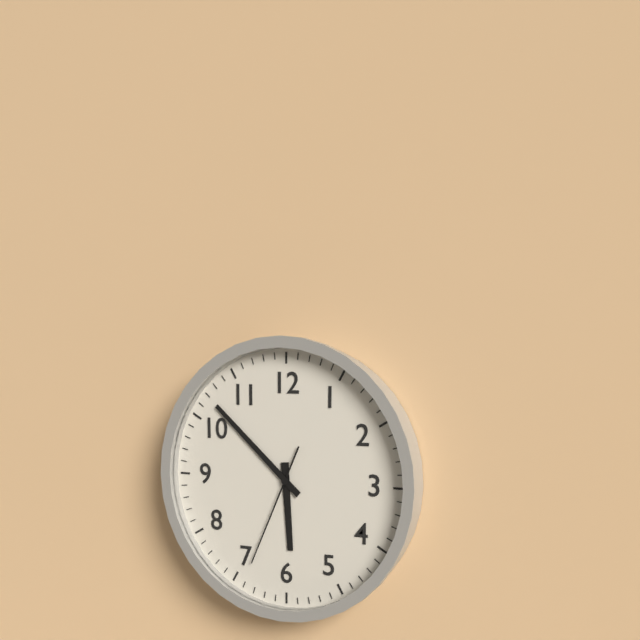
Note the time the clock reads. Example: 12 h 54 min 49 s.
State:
5 h 52 min 34 s
